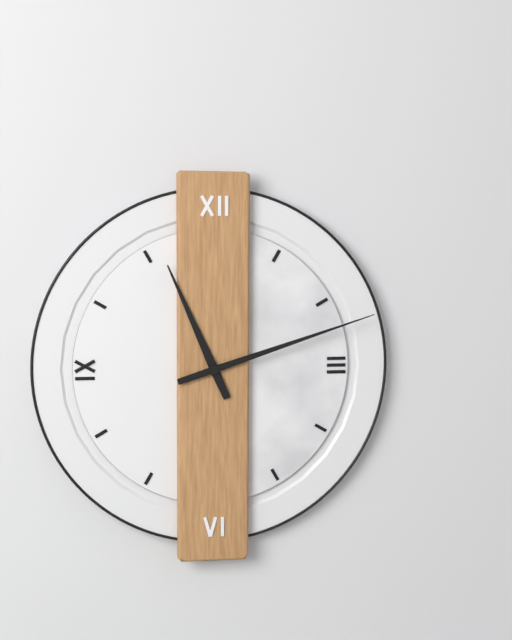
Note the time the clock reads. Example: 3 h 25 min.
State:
11 h 12 min
